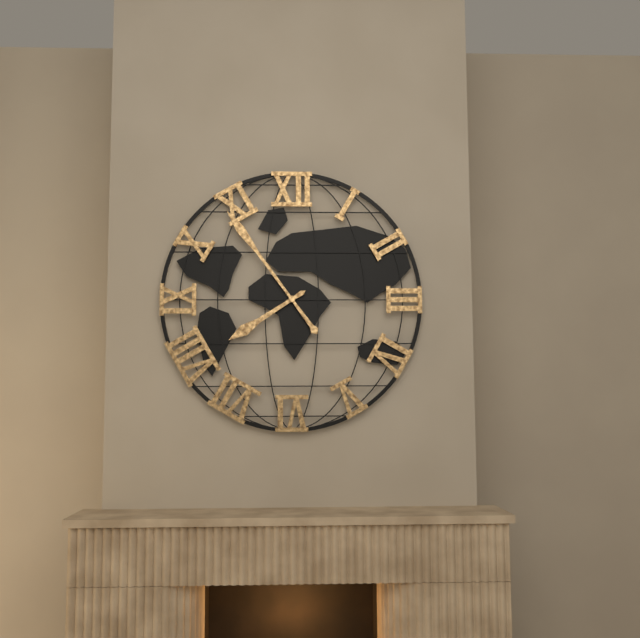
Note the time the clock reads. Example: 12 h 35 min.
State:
7 h 54 min
